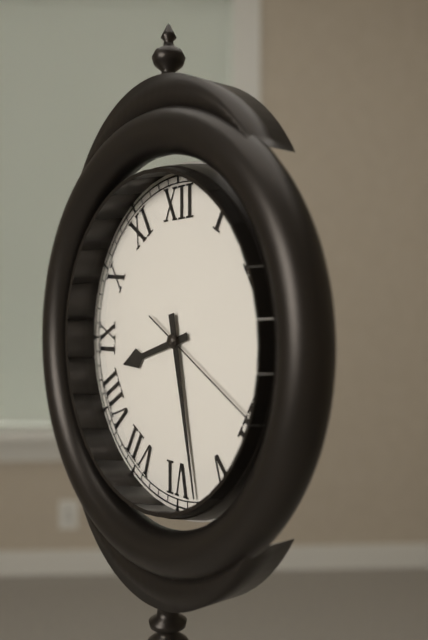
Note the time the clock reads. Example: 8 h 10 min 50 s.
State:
8 h 28 min 20 s
